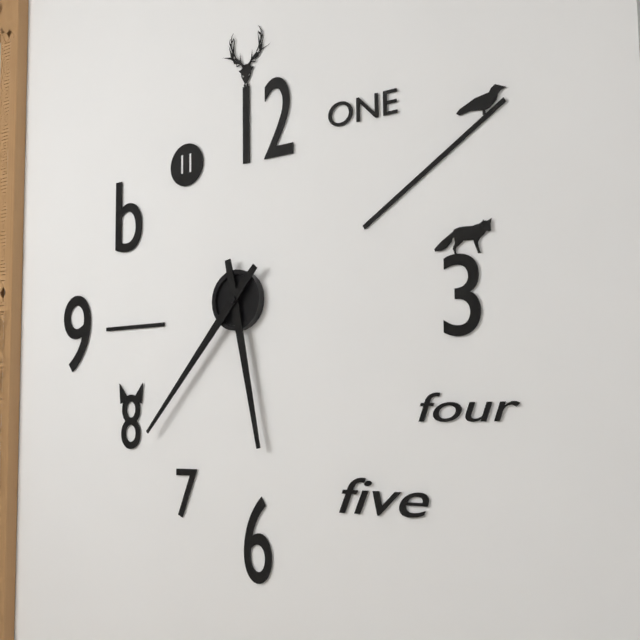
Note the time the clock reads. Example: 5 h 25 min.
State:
5 h 37 min
